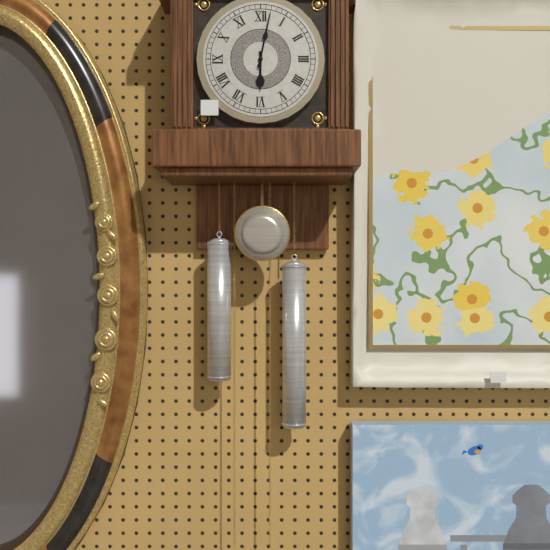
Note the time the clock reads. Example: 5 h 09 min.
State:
6 h 02 min
